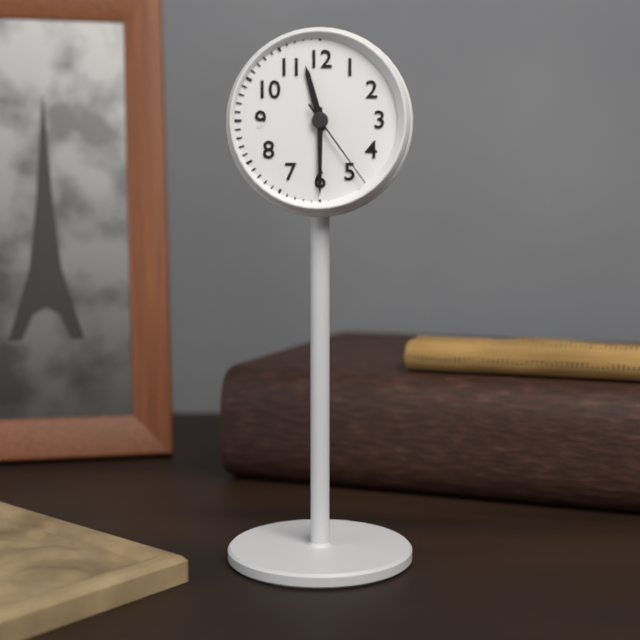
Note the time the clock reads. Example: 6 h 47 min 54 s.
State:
11 h 30 min 24 s
